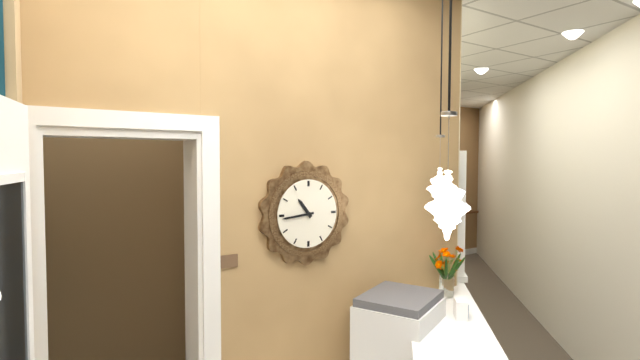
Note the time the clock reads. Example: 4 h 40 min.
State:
10 h 44 min
